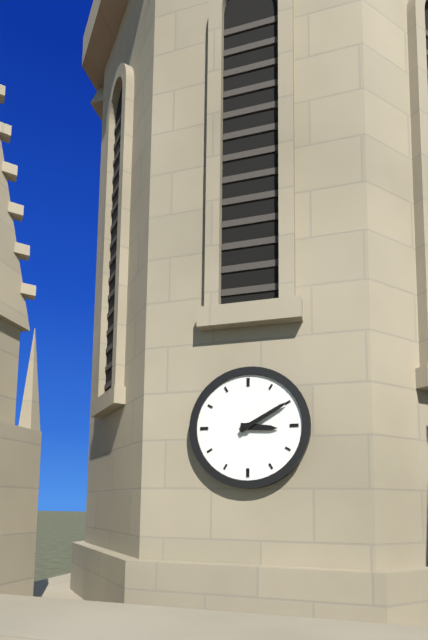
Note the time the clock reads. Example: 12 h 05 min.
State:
3 h 10 min
